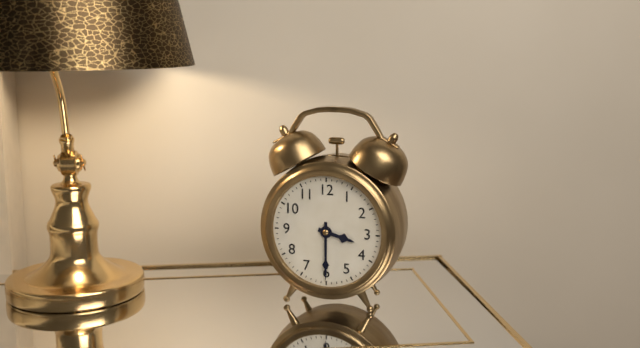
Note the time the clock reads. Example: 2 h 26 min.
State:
3 h 30 min
